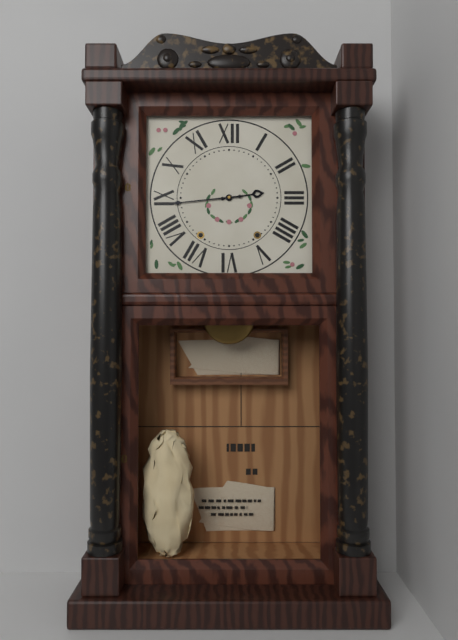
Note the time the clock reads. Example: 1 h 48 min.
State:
2 h 44 min
